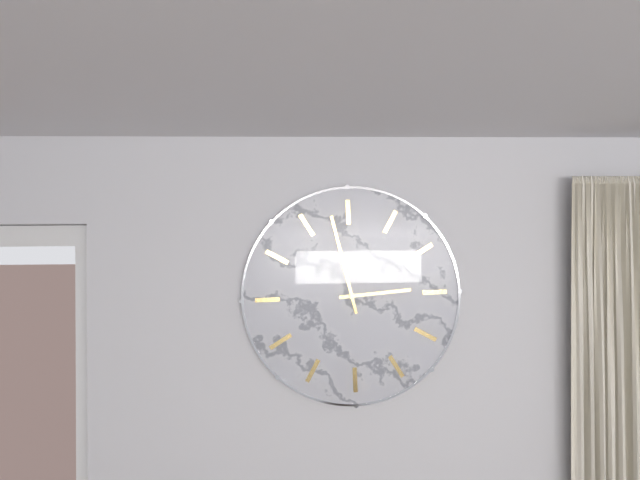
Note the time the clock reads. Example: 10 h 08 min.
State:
1 h 53 min
